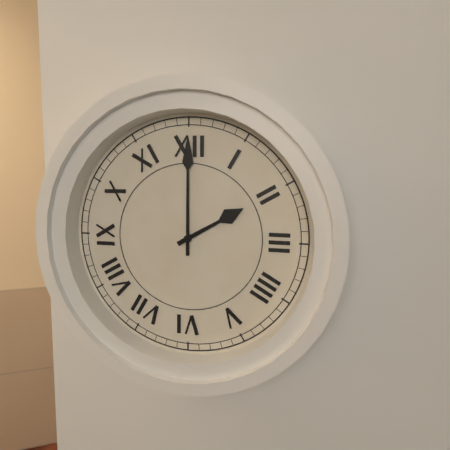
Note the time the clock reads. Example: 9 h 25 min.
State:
2 h 00 min
